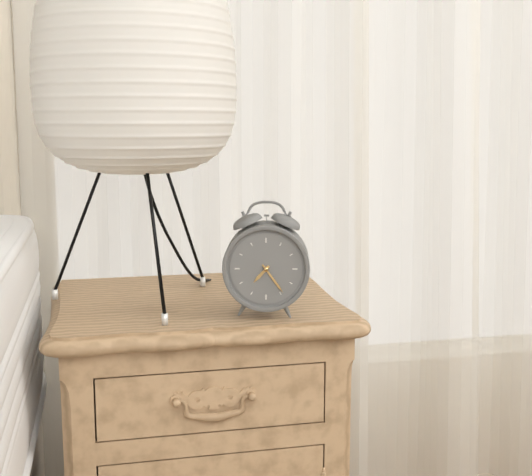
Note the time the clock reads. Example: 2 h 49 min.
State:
7 h 24 min
